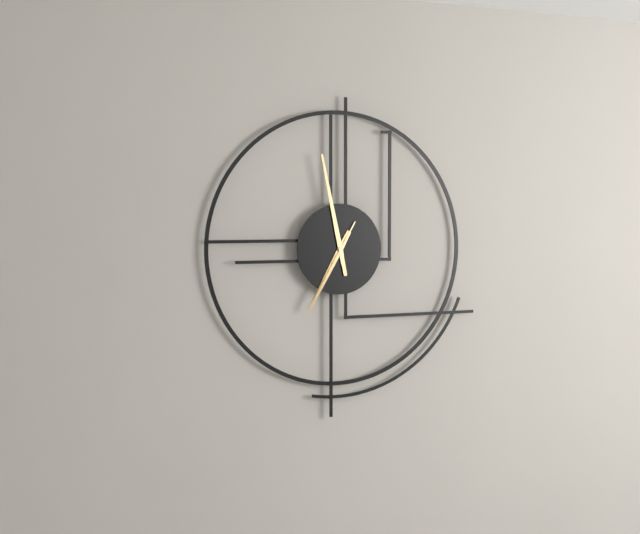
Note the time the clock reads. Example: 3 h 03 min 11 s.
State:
6 h 58 min 35 s
